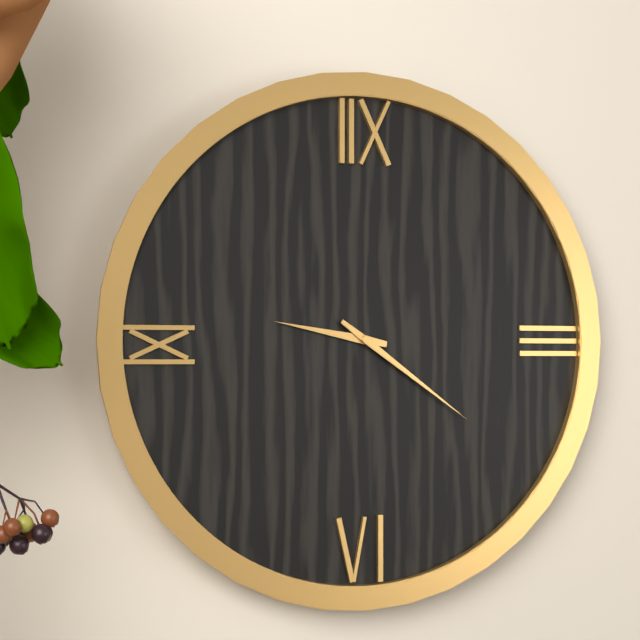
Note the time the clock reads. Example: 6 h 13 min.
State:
9 h 21 min
